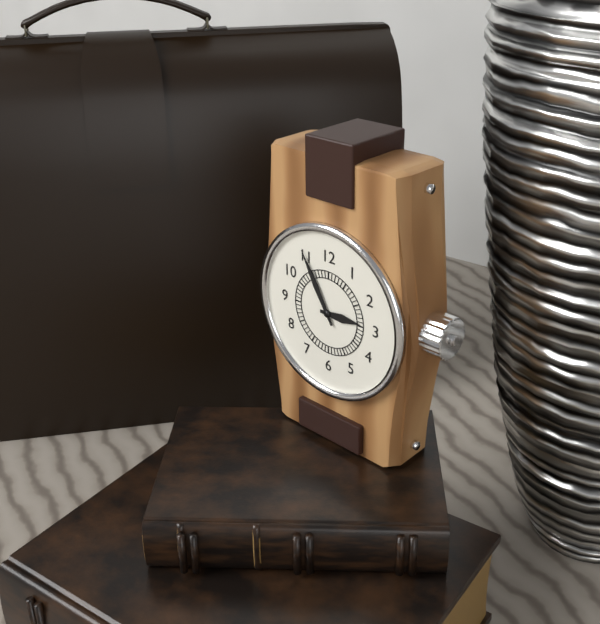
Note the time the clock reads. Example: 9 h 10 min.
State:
2 h 55 min
